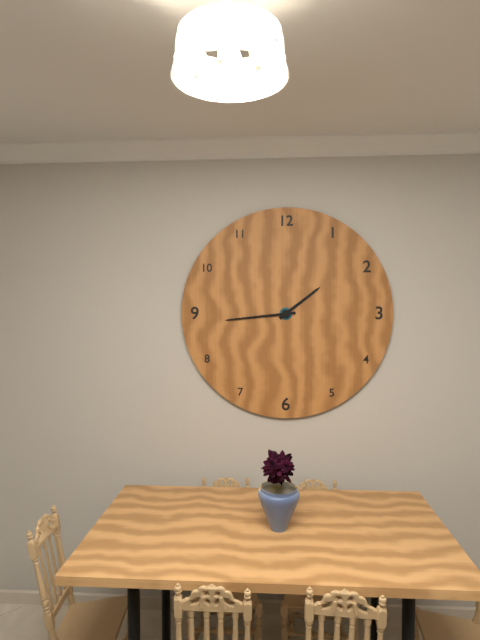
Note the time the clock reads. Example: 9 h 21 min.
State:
1 h 44 min
